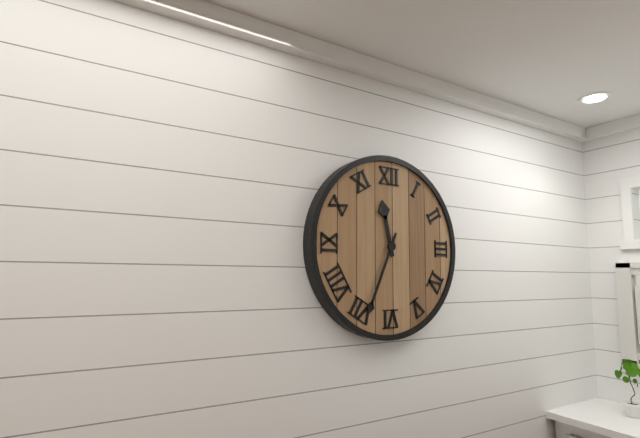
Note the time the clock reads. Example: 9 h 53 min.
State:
11 h 34 min
